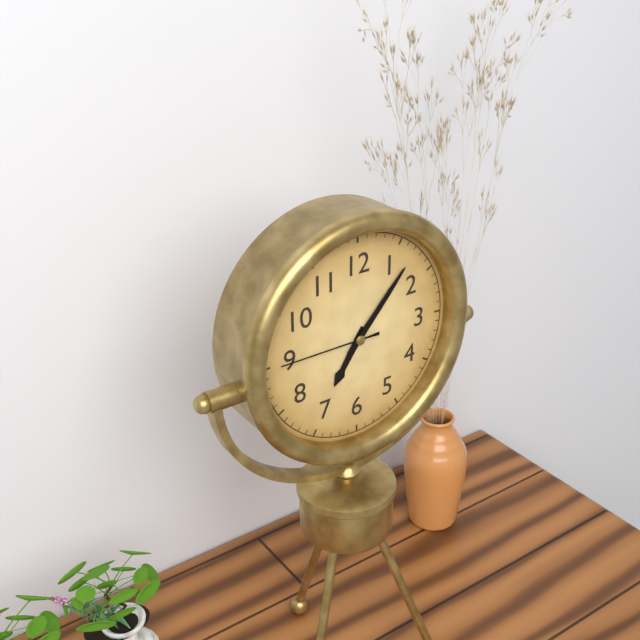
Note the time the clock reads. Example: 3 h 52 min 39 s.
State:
7 h 07 min 45 s
